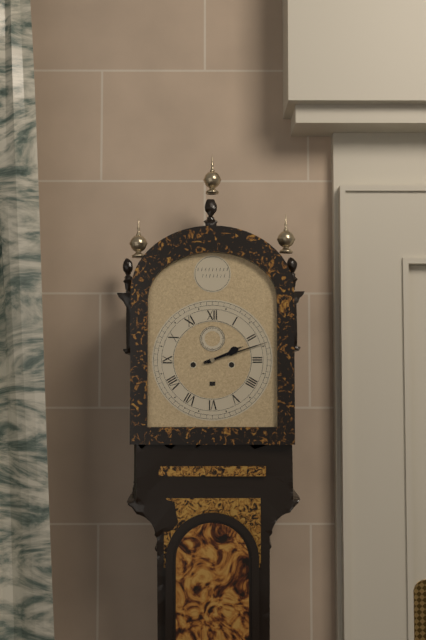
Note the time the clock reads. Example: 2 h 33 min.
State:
2 h 12 min
